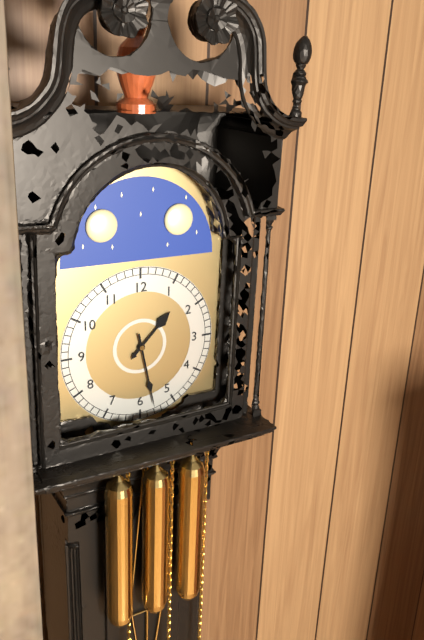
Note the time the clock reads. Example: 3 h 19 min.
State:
1 h 28 min
